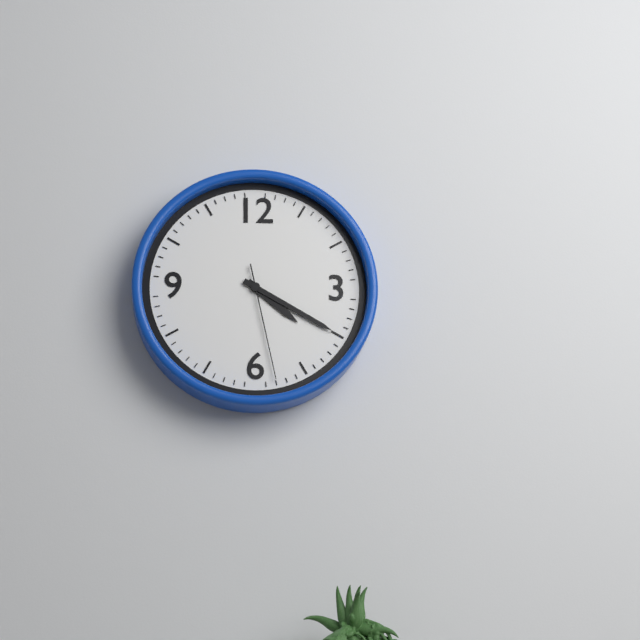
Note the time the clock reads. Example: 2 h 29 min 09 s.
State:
4 h 20 min 28 s
